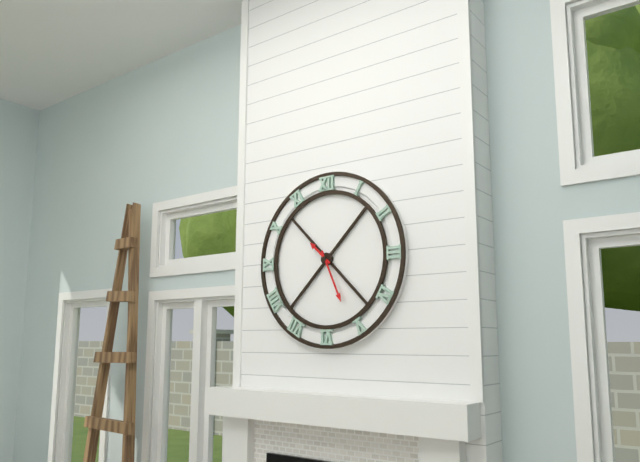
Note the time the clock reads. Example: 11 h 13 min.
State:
10 h 26 min
